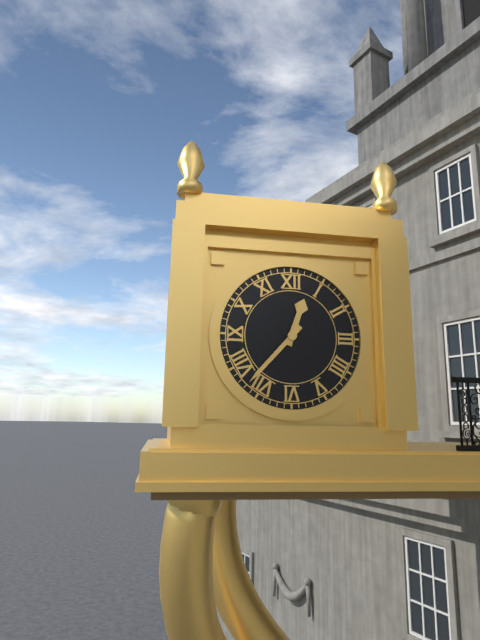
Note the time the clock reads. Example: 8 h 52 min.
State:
12 h 37 min
